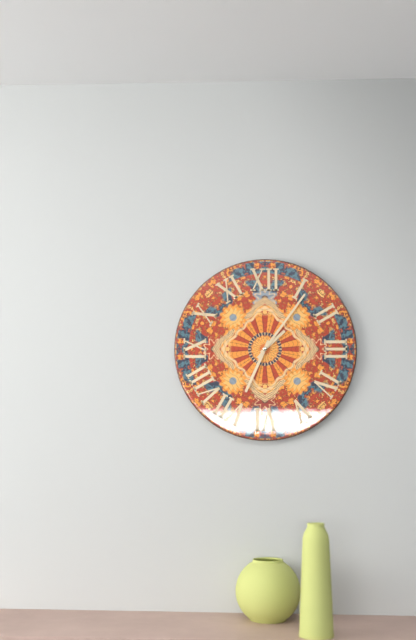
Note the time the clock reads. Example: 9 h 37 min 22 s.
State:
1 h 34 min 06 s
